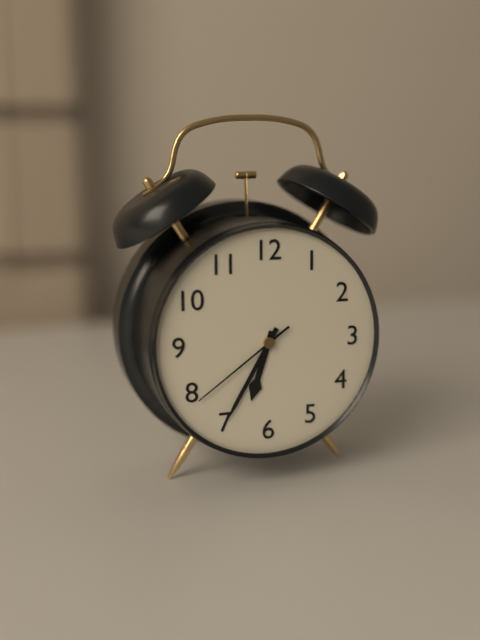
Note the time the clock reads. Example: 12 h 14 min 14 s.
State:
6 h 35 min 39 s
